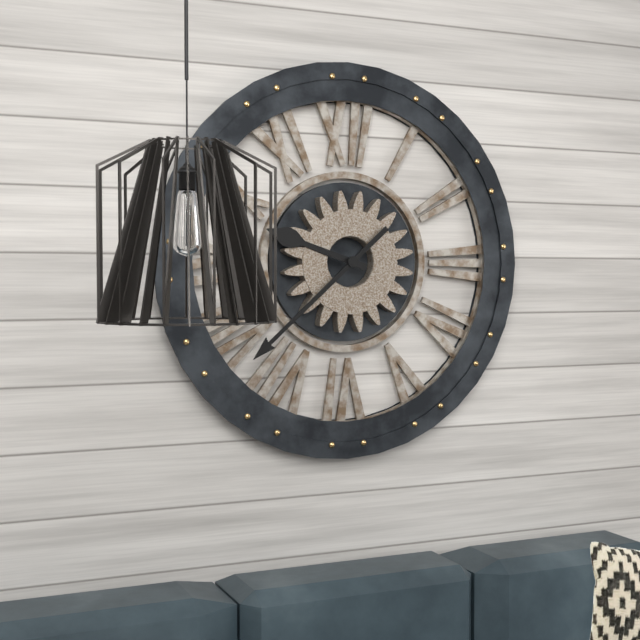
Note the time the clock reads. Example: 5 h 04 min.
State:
9 h 38 min
